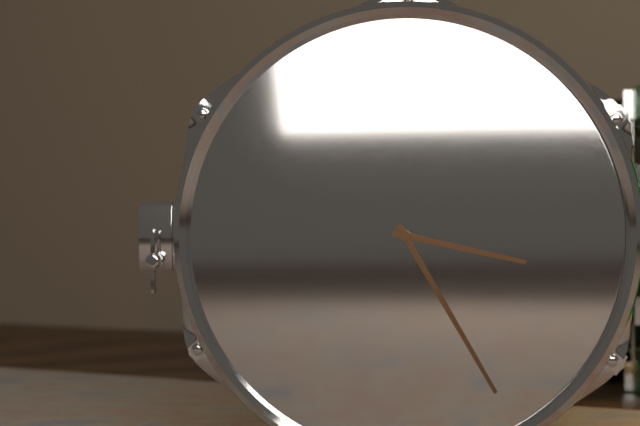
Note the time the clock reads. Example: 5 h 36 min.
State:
3 h 25 min
